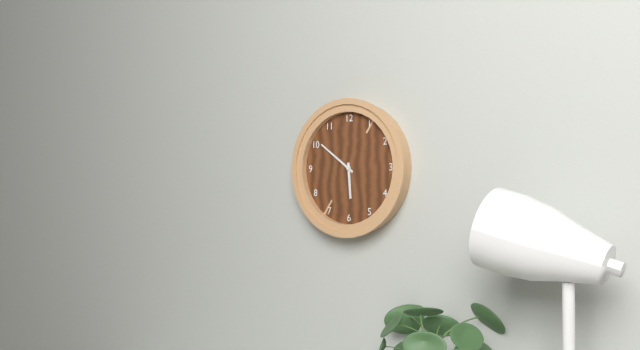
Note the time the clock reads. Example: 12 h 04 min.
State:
5 h 51 min
